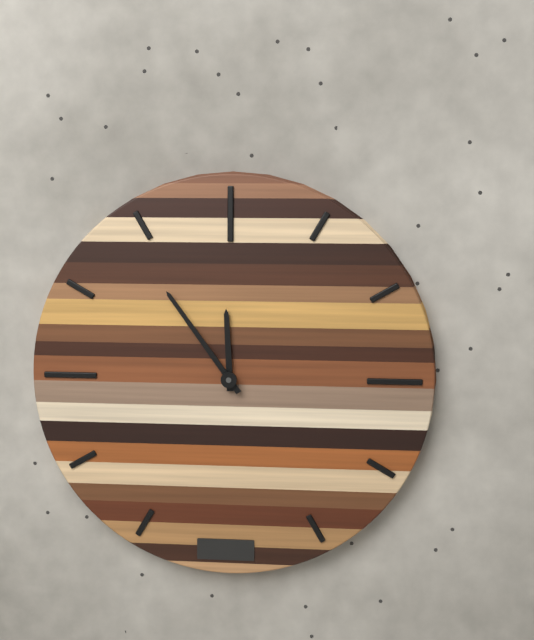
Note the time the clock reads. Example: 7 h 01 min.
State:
11 h 54 min
